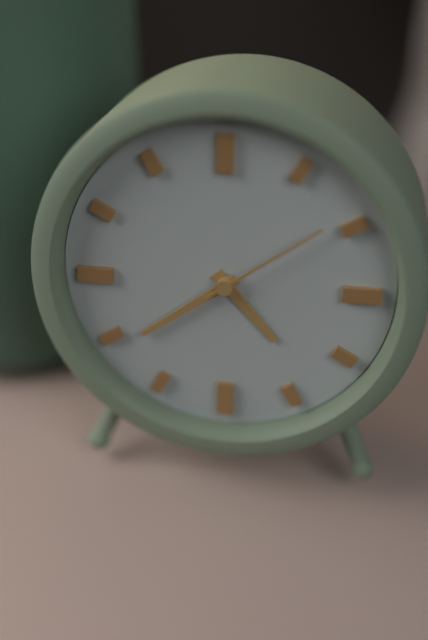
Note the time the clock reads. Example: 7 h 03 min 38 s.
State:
4 h 39 min 09 s
